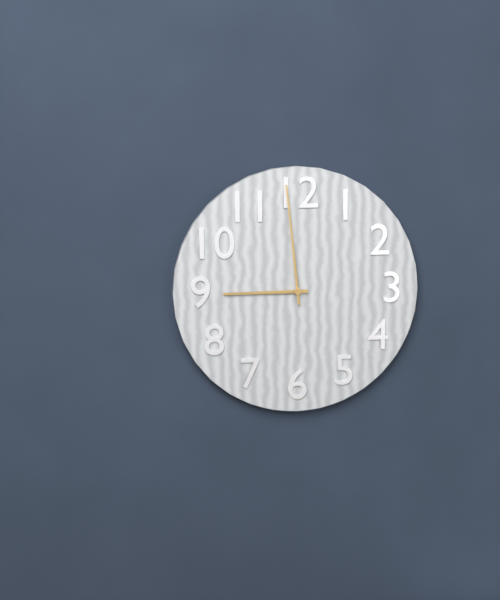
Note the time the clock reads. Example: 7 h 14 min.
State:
8 h 59 min
